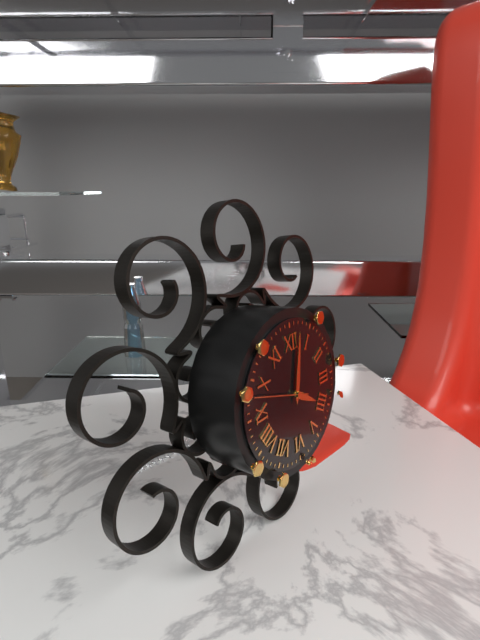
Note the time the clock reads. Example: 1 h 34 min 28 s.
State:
4 h 02 min 48 s
